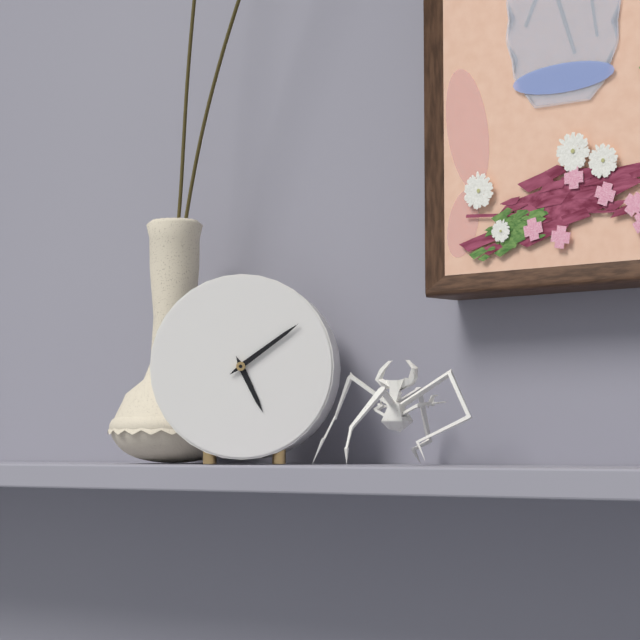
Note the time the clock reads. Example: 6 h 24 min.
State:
5 h 09 min
